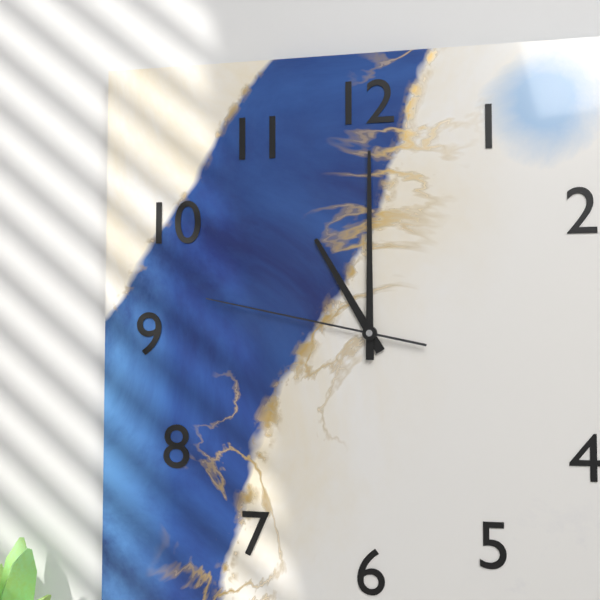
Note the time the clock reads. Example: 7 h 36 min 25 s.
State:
11 h 00 min 47 s
